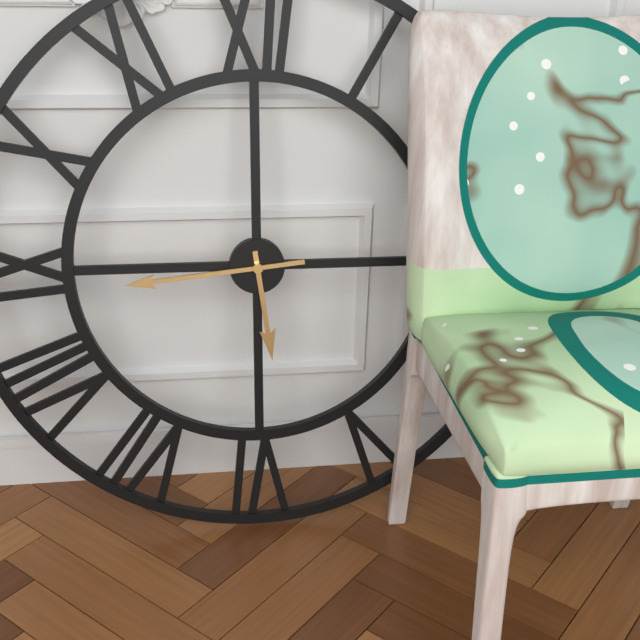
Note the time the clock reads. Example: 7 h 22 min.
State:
5 h 44 min
